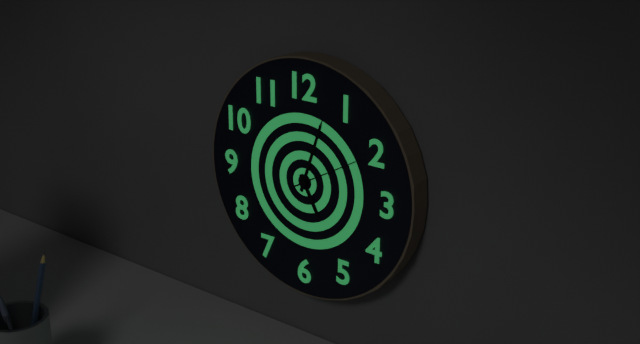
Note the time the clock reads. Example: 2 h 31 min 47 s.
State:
5 h 03 min 10 s
